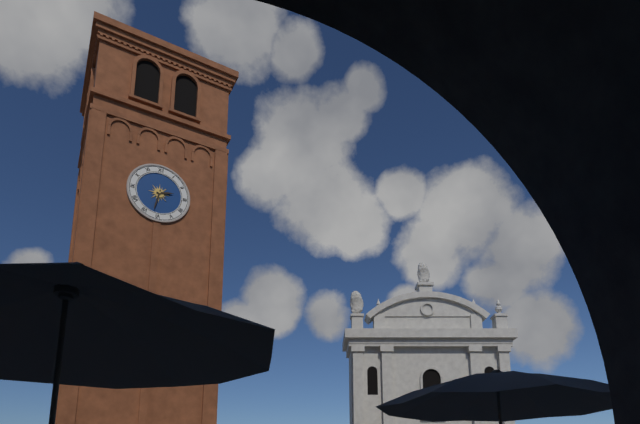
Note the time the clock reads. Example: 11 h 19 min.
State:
2 h 32 min
